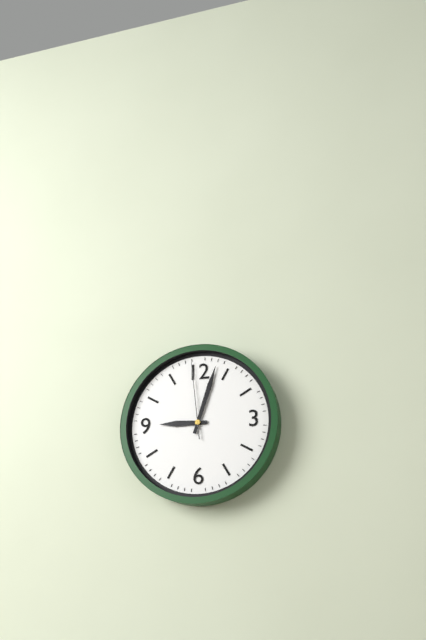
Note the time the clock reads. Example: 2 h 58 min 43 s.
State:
9 h 03 min 59 s
